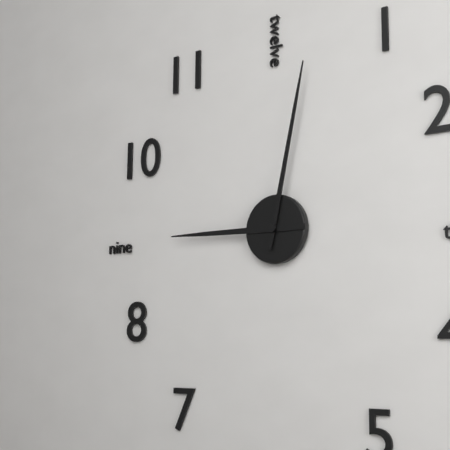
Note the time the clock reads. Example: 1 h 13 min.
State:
9 h 02 min
